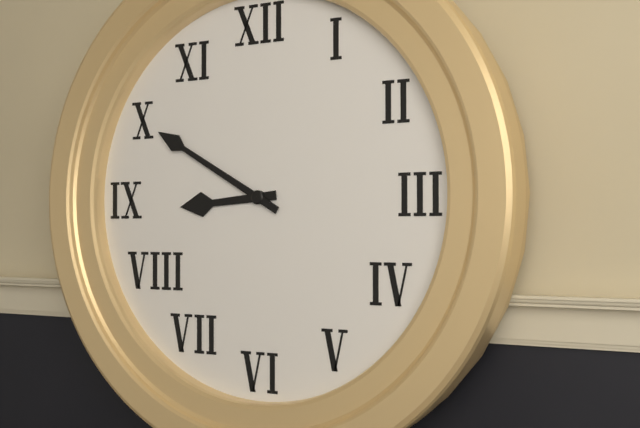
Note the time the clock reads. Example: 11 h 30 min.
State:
8 h 50 min
